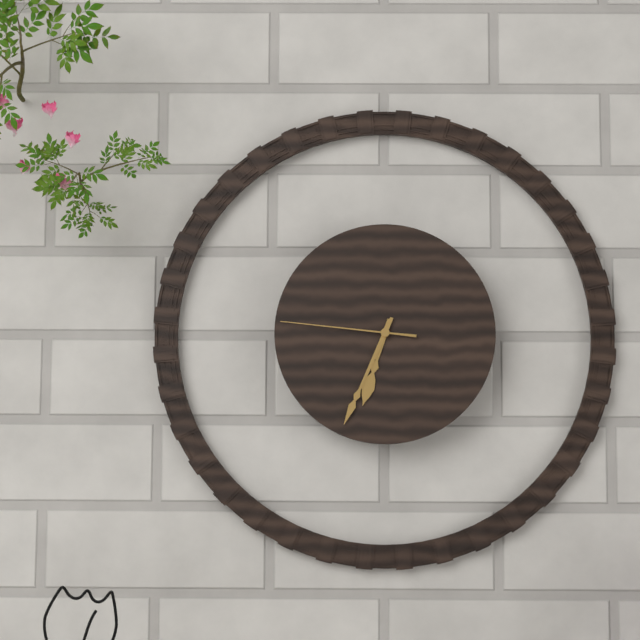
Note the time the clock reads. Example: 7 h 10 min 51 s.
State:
6 h 34 min 46 s
